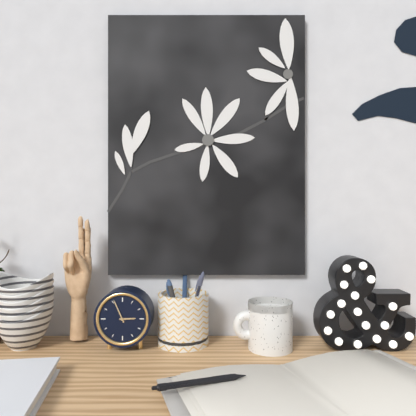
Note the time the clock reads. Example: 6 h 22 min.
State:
2 h 56 min
